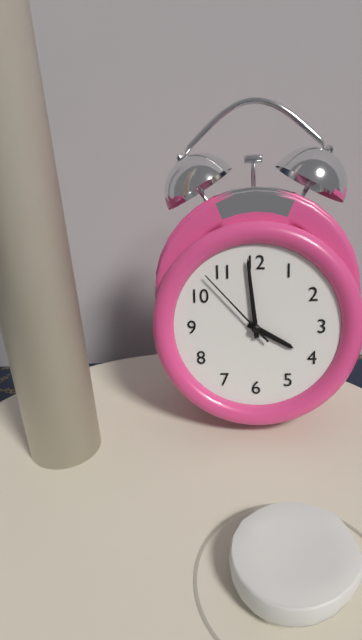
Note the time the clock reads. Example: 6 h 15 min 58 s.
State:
3 h 59 min 53 s
